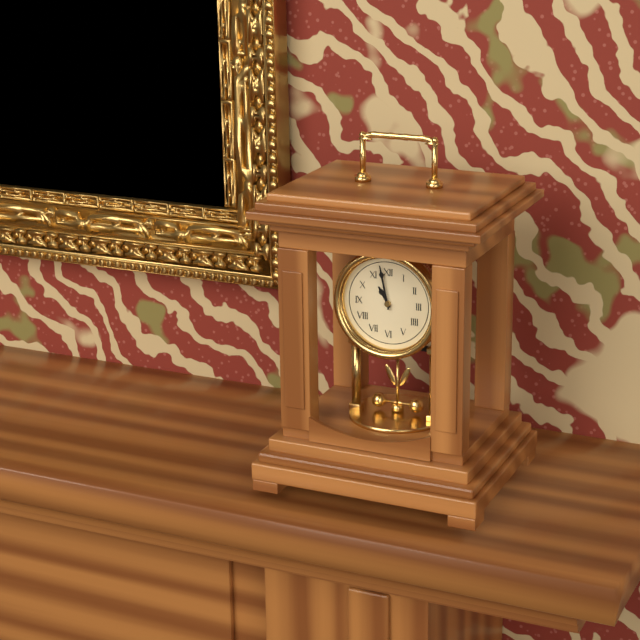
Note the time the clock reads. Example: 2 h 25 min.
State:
10 h 58 min
